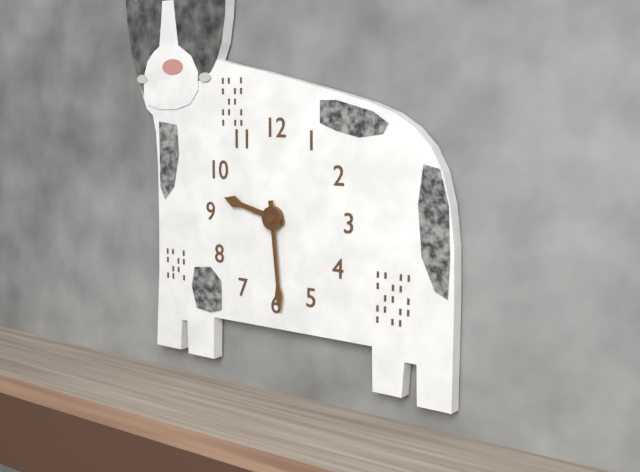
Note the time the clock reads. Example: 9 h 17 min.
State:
9 h 29 min
